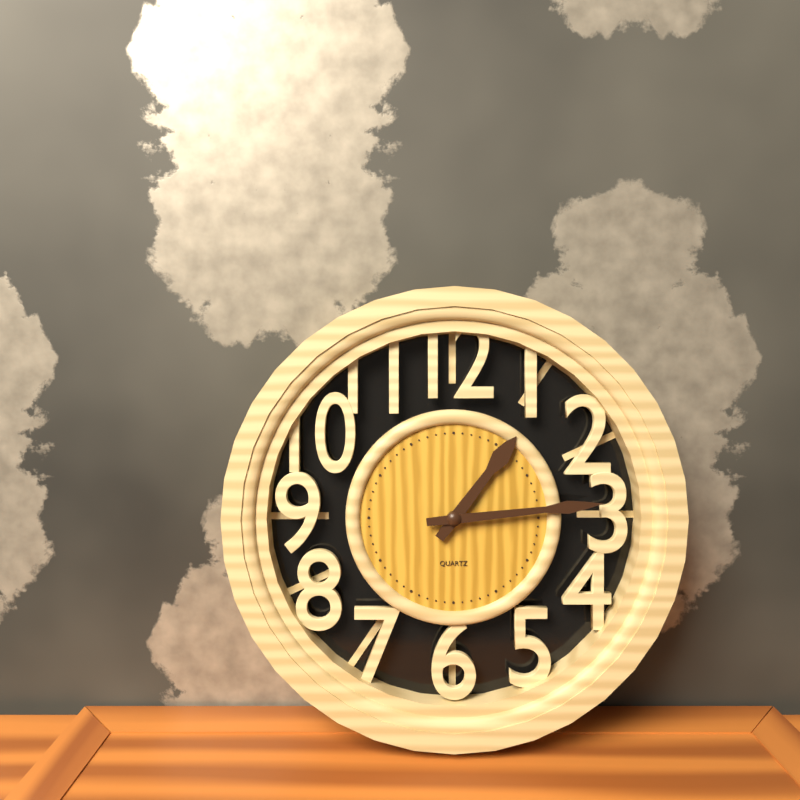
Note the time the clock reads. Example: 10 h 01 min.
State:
1 h 14 min
